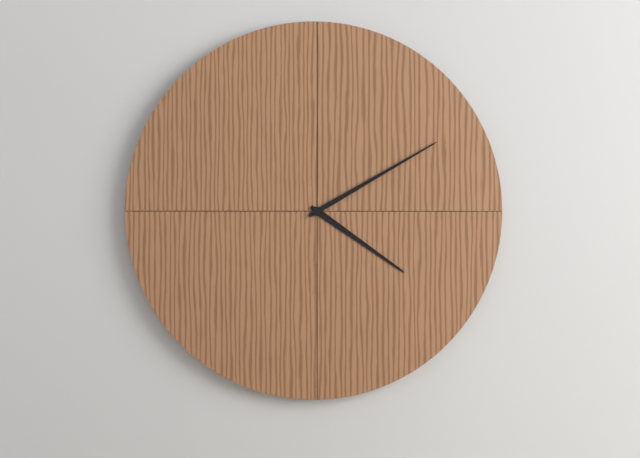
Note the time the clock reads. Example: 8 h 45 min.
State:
4 h 10 min
